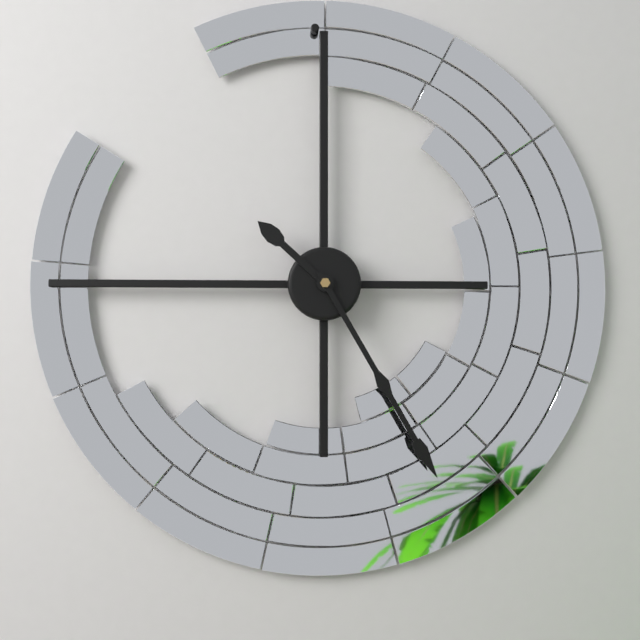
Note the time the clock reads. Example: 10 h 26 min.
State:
10 h 25 min
